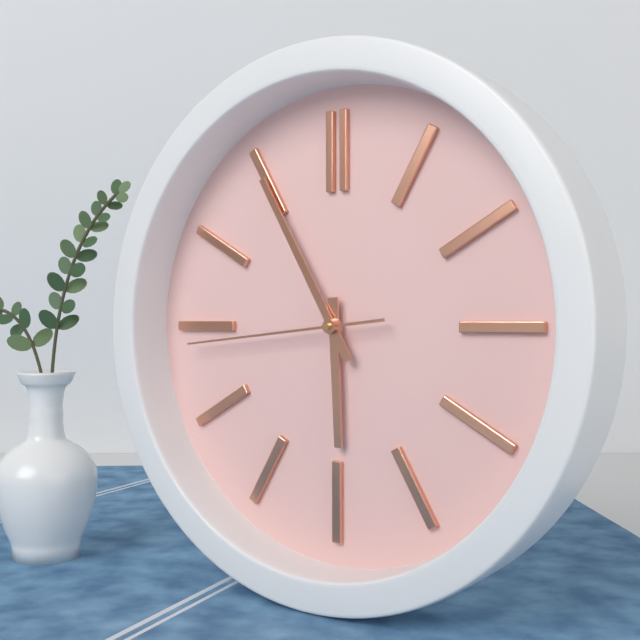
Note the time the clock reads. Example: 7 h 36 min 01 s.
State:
5 h 55 min 44 s
